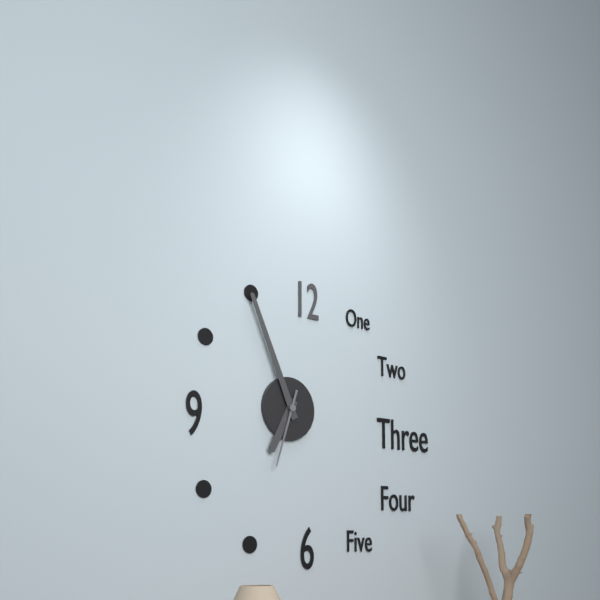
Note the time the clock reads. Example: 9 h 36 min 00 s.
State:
6 h 56 min 33 s
